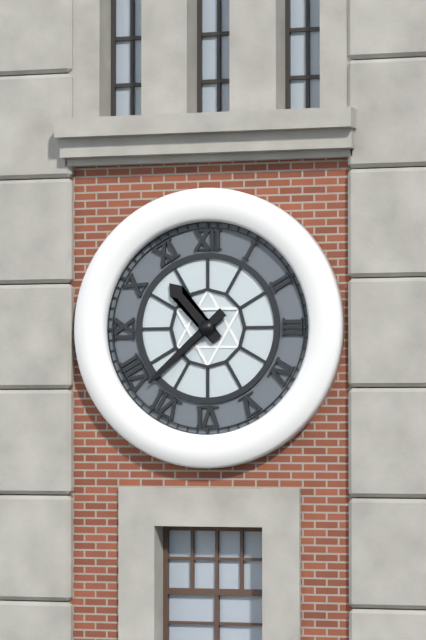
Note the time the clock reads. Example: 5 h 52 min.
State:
10 h 38 min
